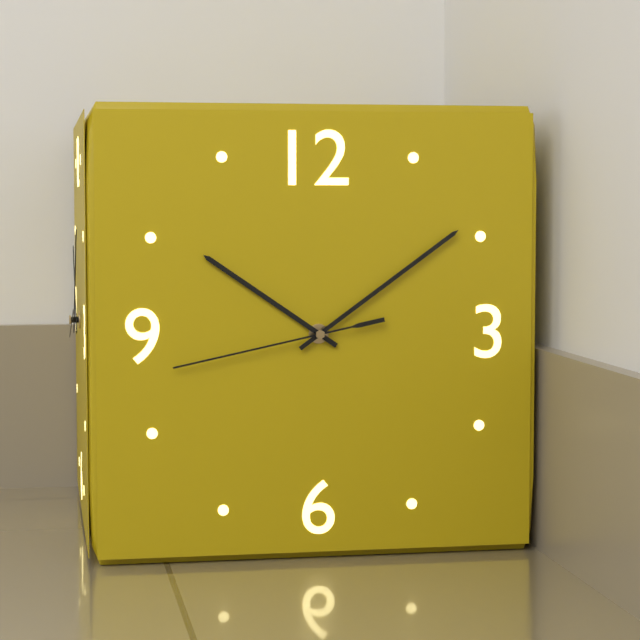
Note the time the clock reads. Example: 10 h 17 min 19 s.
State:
10 h 09 min 43 s
